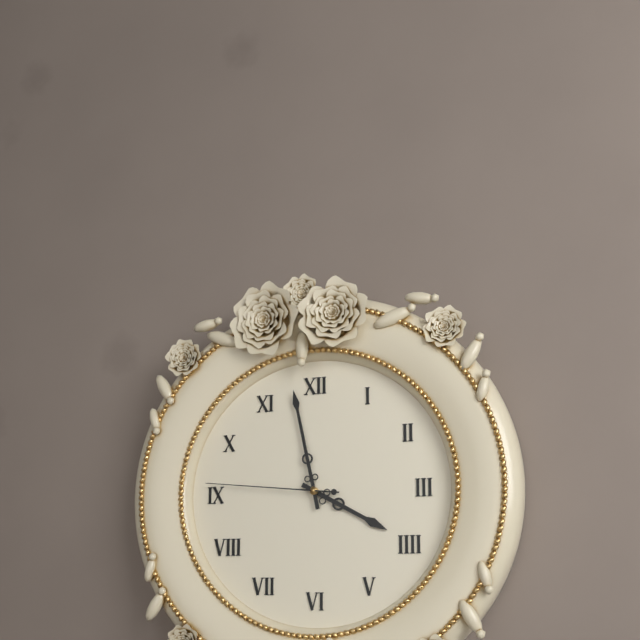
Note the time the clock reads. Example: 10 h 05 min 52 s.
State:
3 h 58 min 46 s
